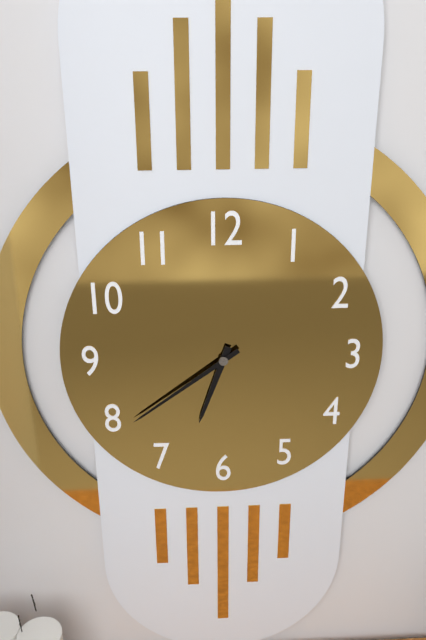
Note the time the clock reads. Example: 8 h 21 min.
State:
6 h 39 min
